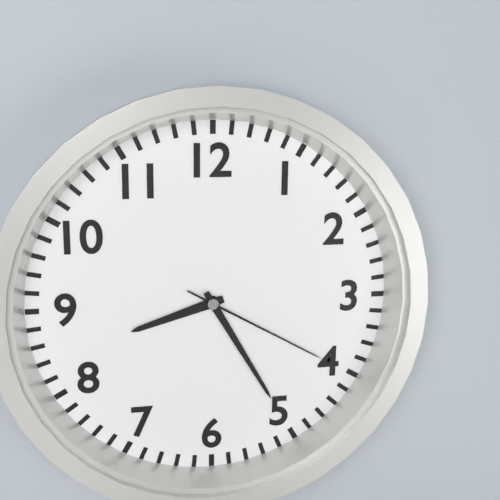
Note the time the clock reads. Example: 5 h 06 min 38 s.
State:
8 h 25 min 20 s
